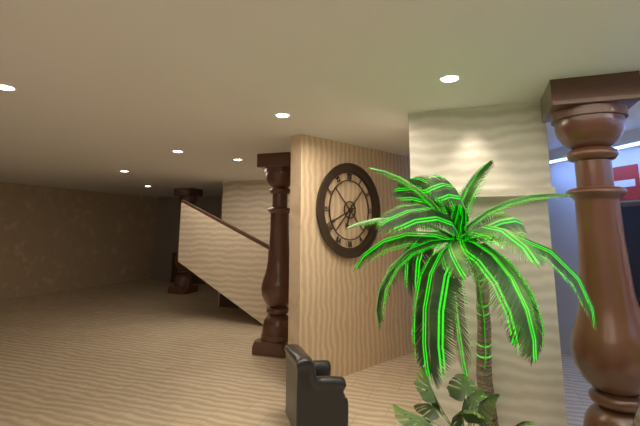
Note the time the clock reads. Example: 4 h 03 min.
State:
6 h 41 min
